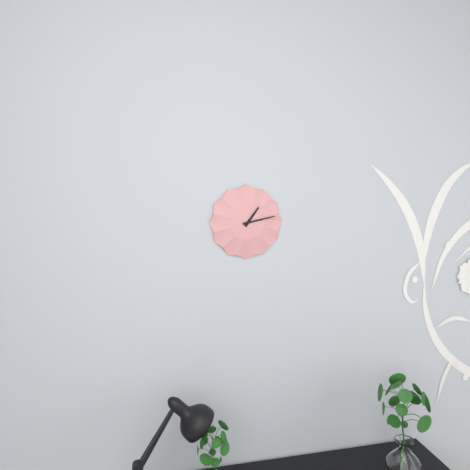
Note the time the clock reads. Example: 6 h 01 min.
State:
1 h 13 min
